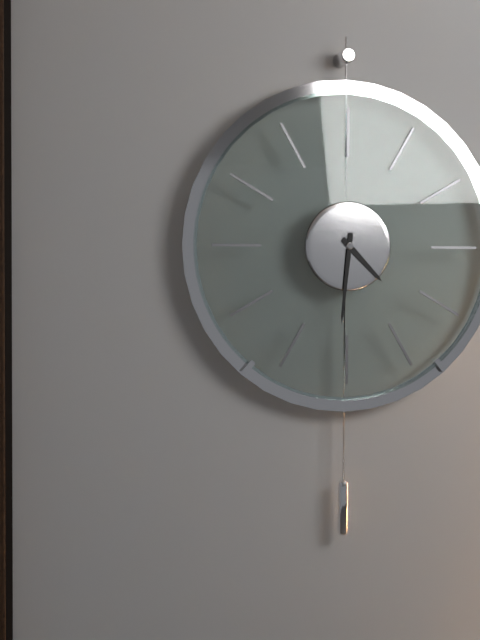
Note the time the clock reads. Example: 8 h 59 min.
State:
4 h 31 min
